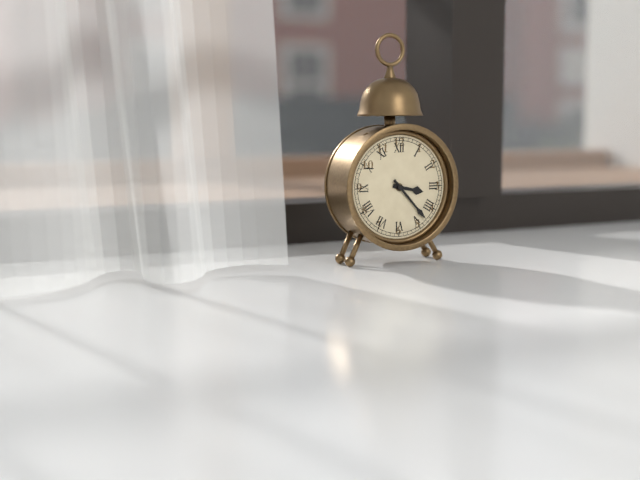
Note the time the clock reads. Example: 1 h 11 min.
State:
3 h 23 min
